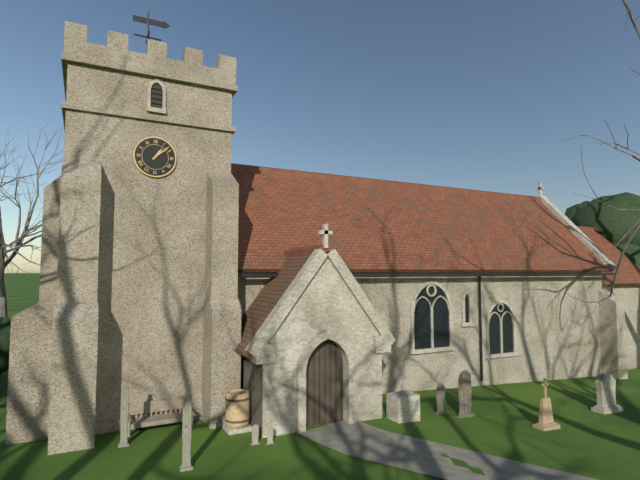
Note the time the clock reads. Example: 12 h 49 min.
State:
1 h 08 min
